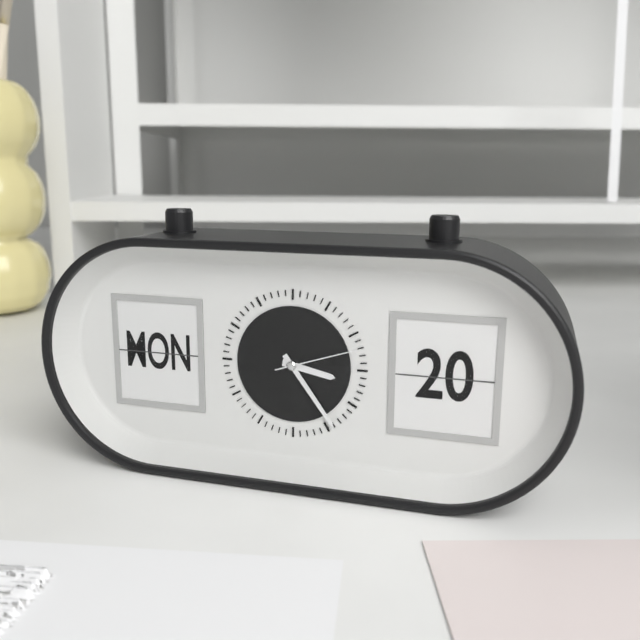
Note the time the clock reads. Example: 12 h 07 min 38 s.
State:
3 h 24 min 12 s
